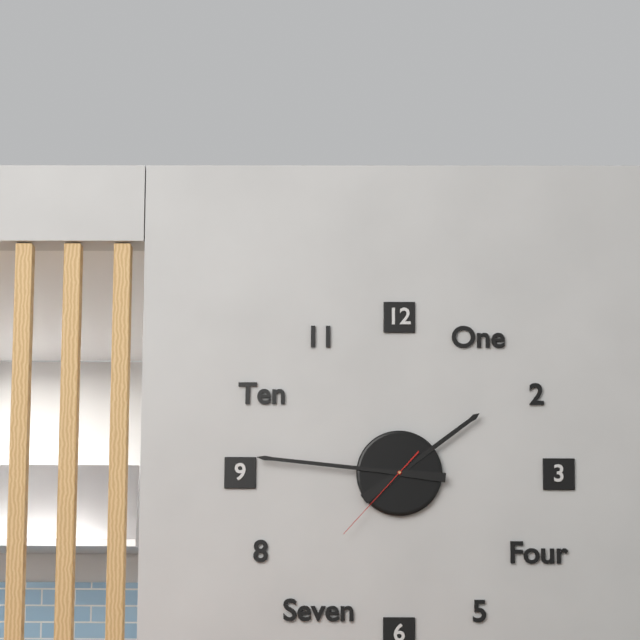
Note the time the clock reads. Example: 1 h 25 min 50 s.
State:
1 h 46 min 37 s
